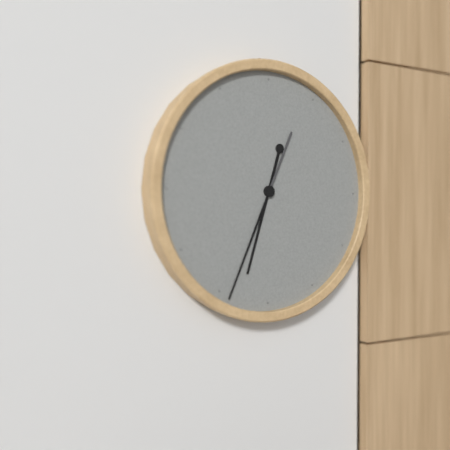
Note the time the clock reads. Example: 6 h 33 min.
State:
6 h 34 min
